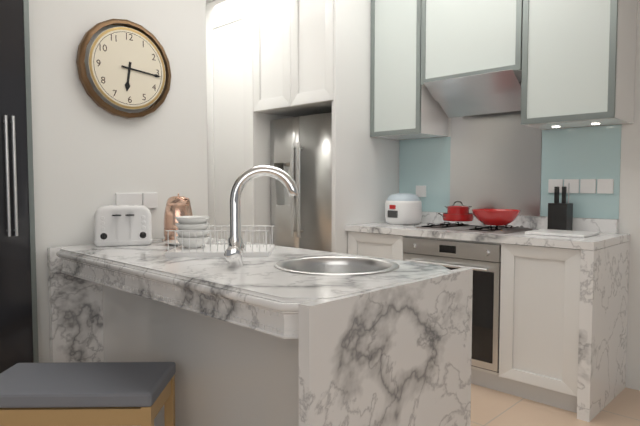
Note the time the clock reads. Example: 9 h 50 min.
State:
6 h 16 min
